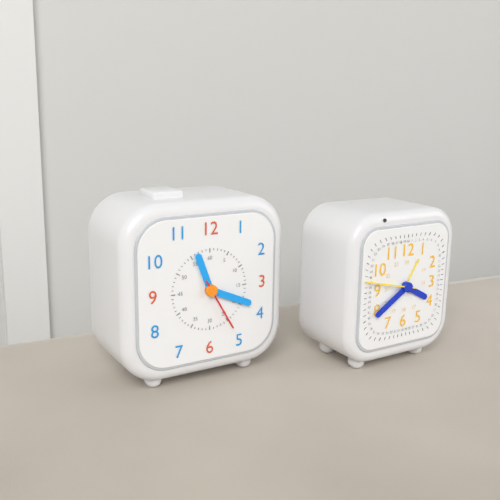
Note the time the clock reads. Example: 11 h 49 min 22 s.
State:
11 h 19 min 25 s
